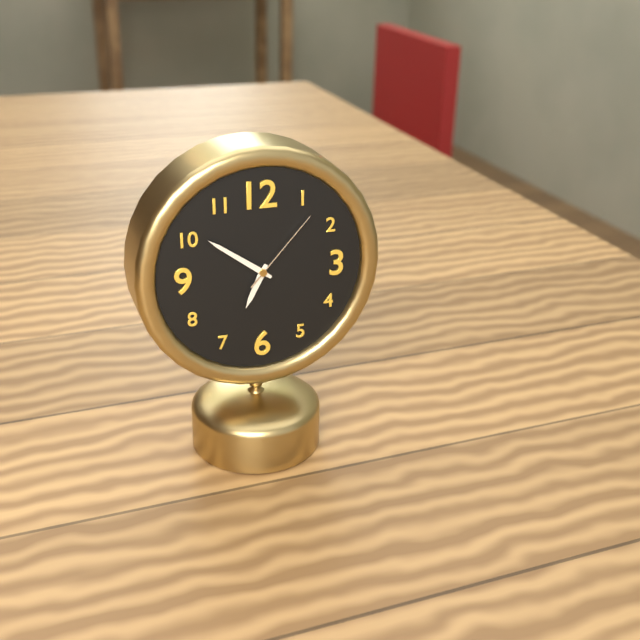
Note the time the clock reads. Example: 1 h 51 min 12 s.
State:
6 h 51 min 07 s
